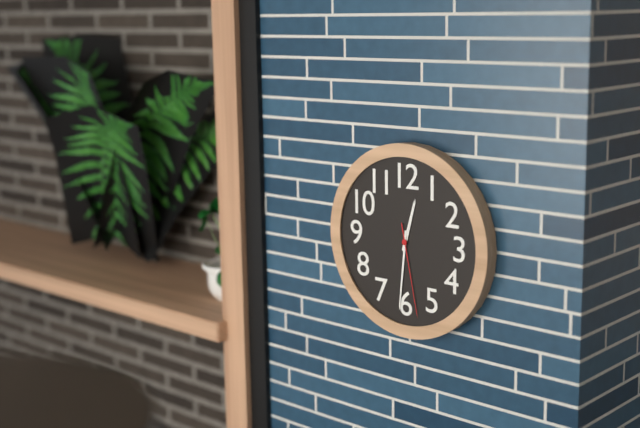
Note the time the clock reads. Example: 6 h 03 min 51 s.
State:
12 h 31 min 28 s
